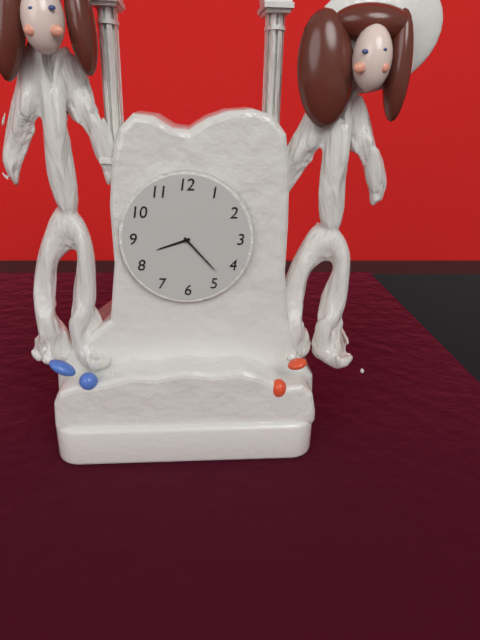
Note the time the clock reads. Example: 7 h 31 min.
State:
8 h 23 min
